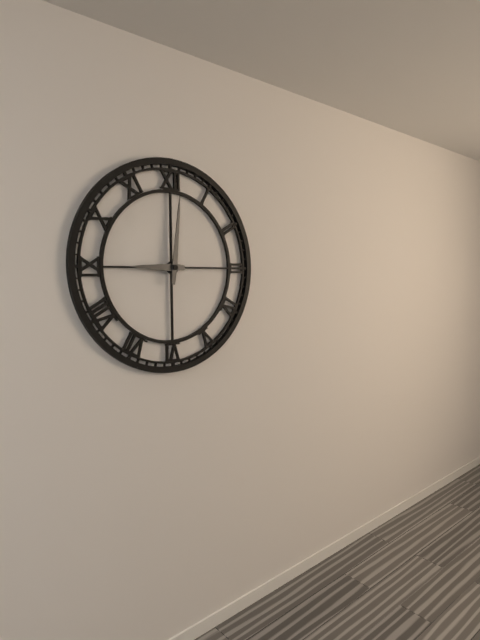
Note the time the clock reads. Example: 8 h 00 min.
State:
9 h 01 min
